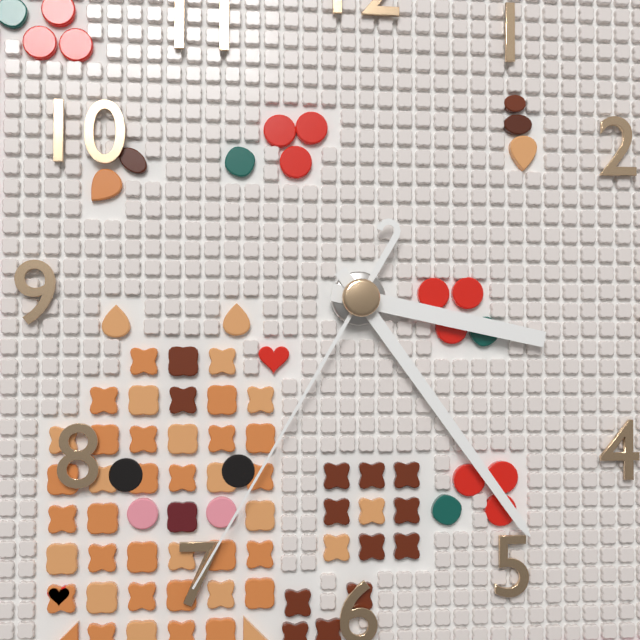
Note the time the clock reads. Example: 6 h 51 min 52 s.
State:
3 h 24 min 35 s
